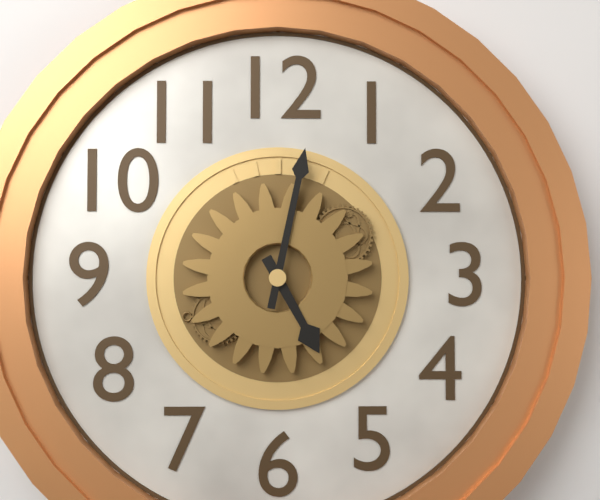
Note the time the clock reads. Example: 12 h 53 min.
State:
5 h 02 min
